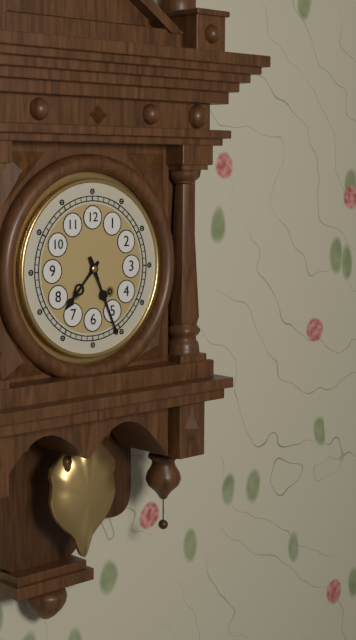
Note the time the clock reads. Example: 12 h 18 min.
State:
7 h 26 min
